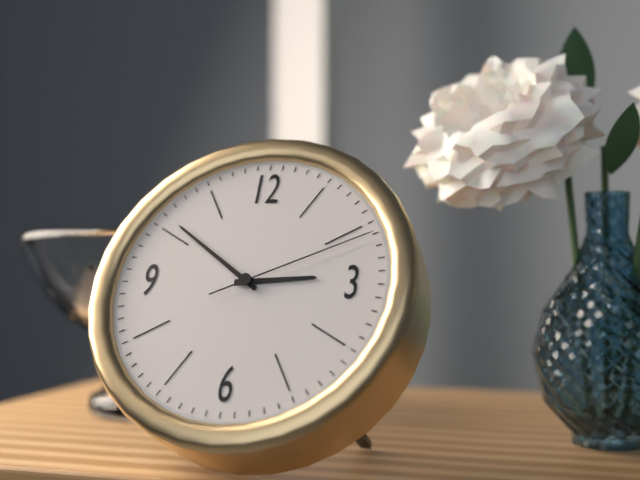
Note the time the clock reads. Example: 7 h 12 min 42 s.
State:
2 h 51 min 11 s
